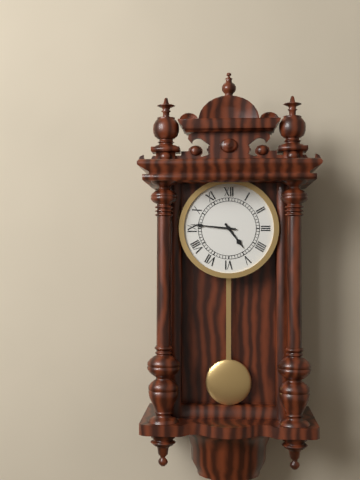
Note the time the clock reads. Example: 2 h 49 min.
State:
4 h 46 min
